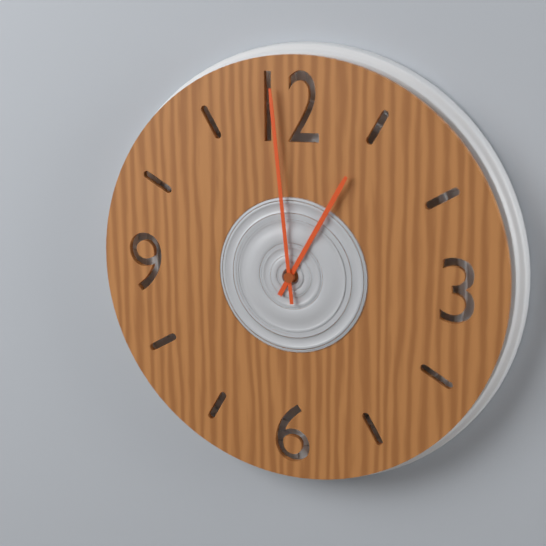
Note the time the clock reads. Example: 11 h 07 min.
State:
12 h 59 min
